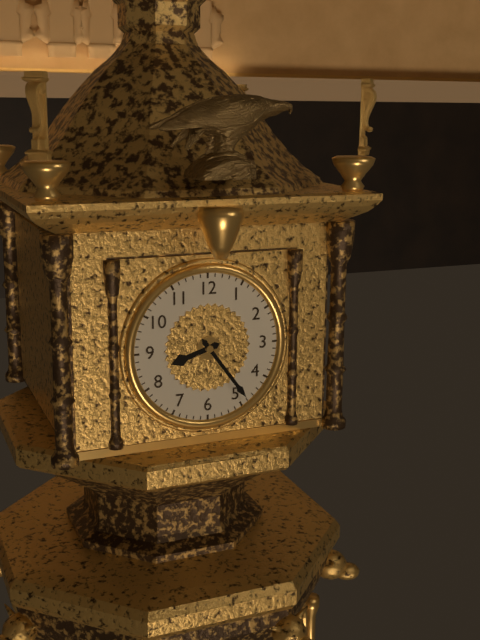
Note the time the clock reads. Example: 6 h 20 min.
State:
8 h 24 min
